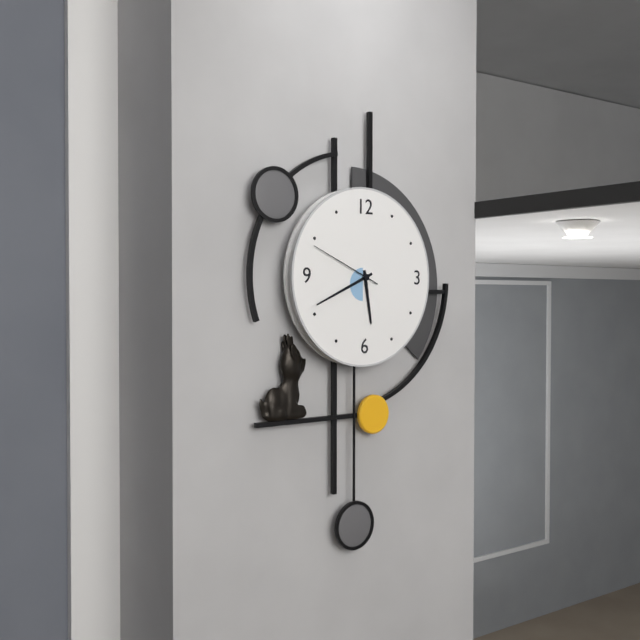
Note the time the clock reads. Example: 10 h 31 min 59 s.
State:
5 h 41 min 49 s
